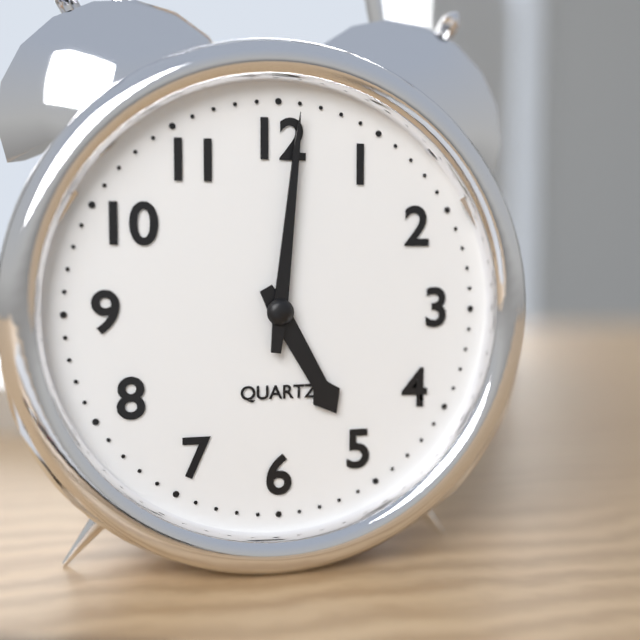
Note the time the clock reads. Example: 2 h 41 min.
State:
5 h 01 min
